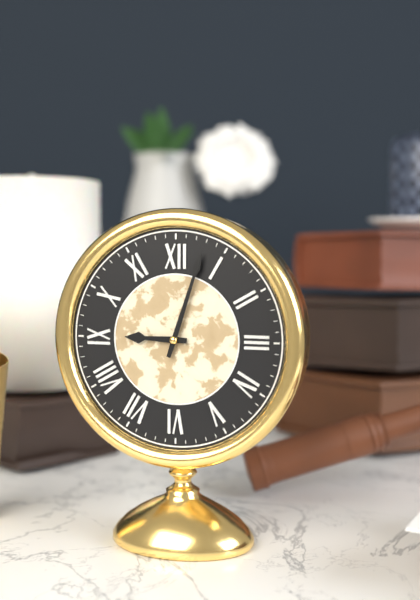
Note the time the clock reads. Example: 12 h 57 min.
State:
9 h 03 min
